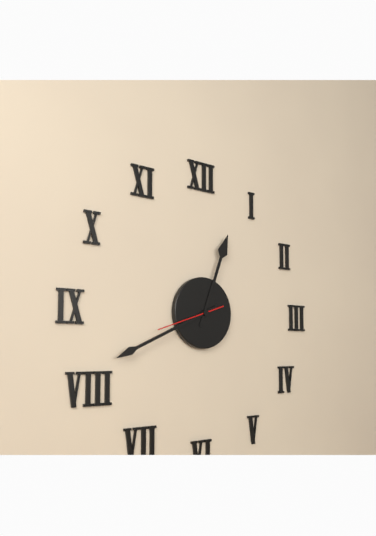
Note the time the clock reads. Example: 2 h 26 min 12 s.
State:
12 h 41 min 42 s
